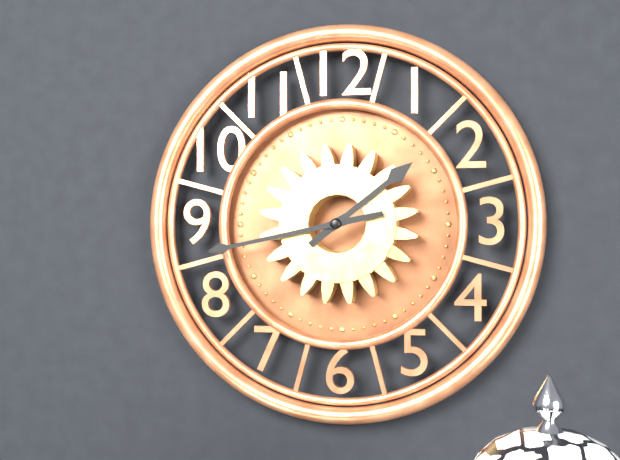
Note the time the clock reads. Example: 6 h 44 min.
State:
1 h 43 min
